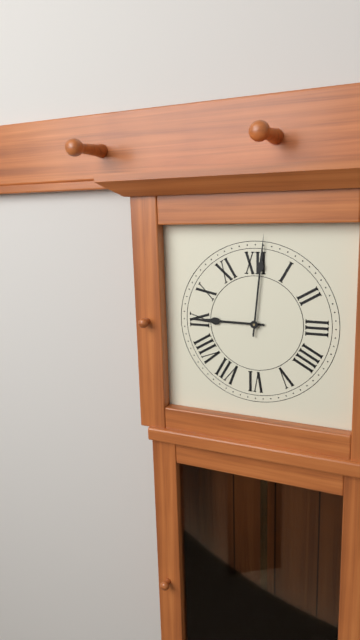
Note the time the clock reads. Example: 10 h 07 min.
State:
9 h 01 min
